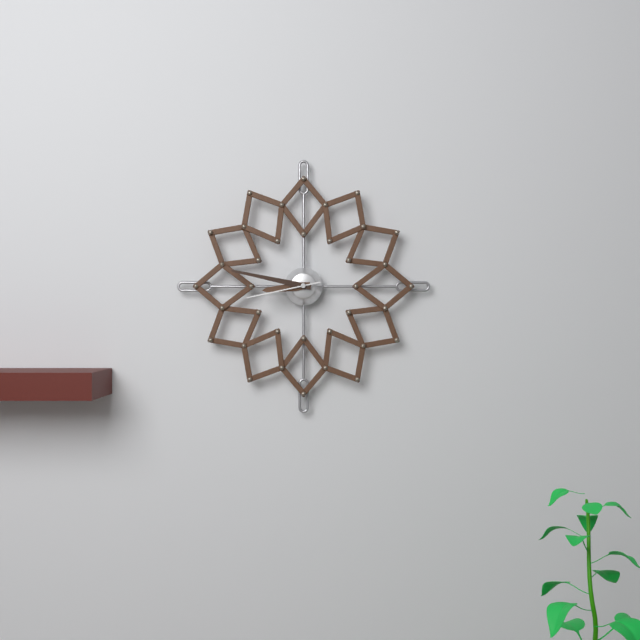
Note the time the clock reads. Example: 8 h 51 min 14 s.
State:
8 h 47 min 43 s
